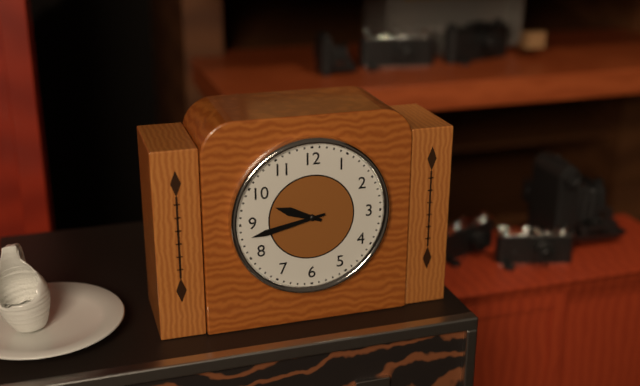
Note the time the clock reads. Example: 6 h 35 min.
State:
9 h 43 min
